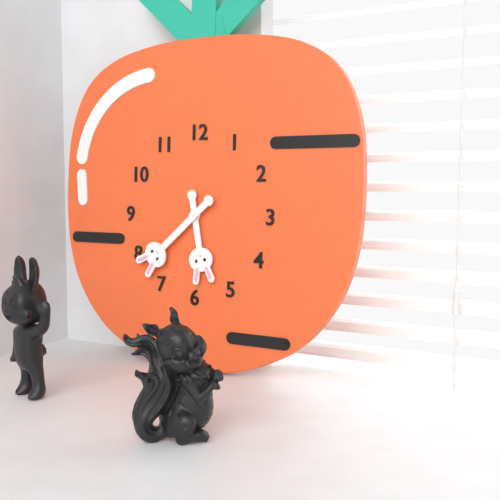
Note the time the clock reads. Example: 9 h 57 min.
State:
5 h 38 min
